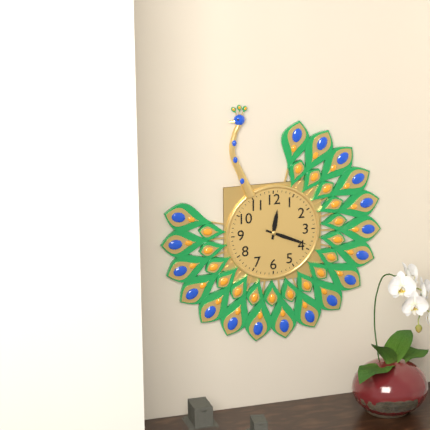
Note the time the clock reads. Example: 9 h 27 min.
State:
12 h 19 min
